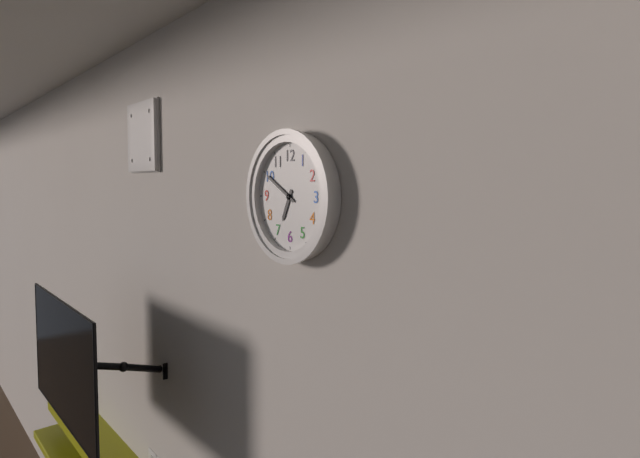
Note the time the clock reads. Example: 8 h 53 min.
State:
6 h 50 min
